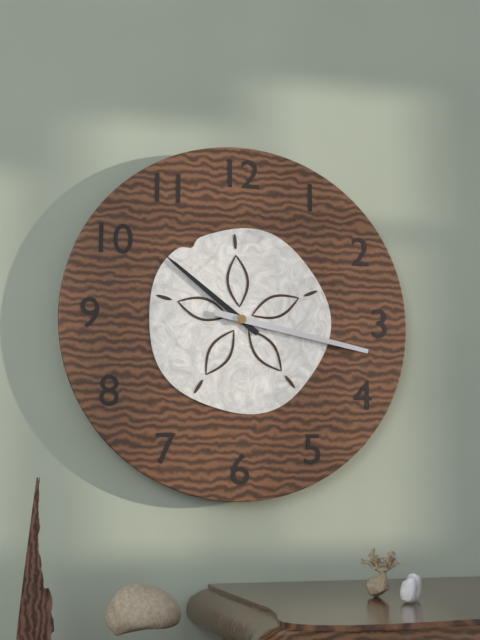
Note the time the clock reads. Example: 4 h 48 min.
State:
10 h 17 min
